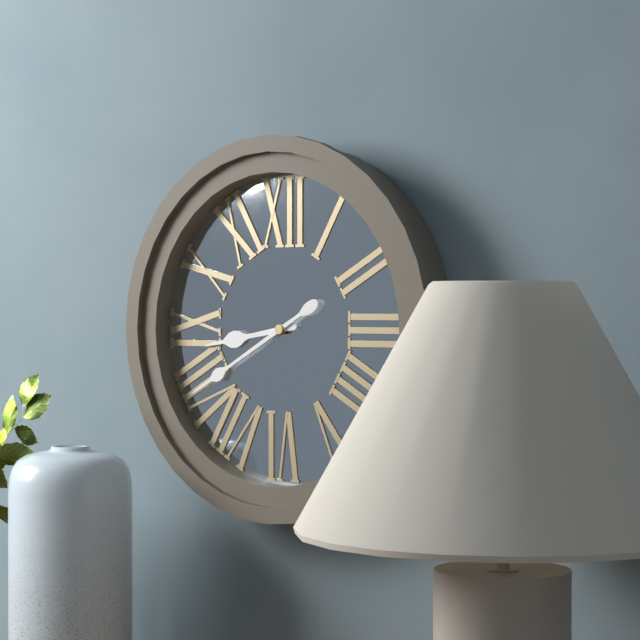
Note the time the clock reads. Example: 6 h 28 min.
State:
8 h 40 min
